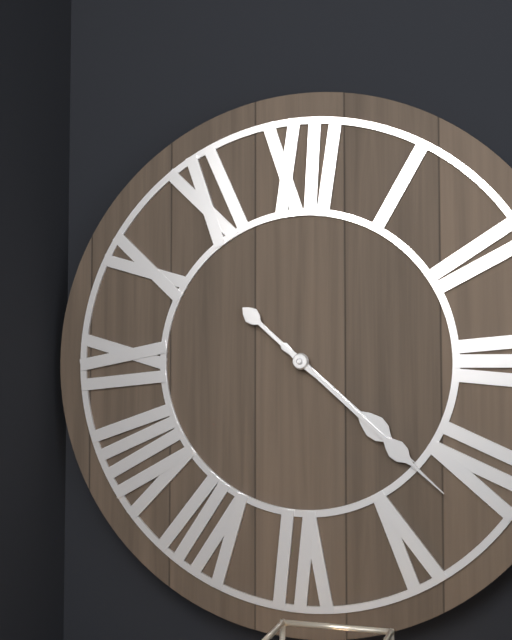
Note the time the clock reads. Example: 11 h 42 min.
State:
4 h 22 min
